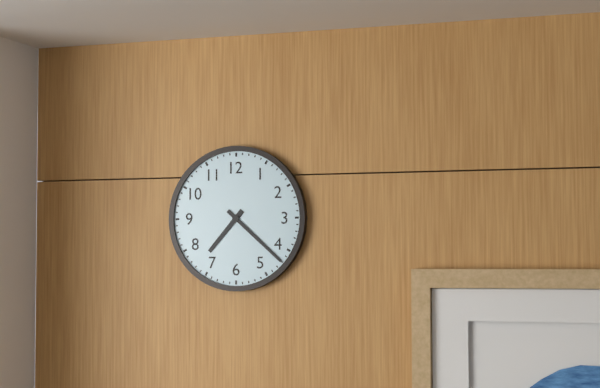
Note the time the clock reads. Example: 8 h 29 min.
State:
7 h 22 min
